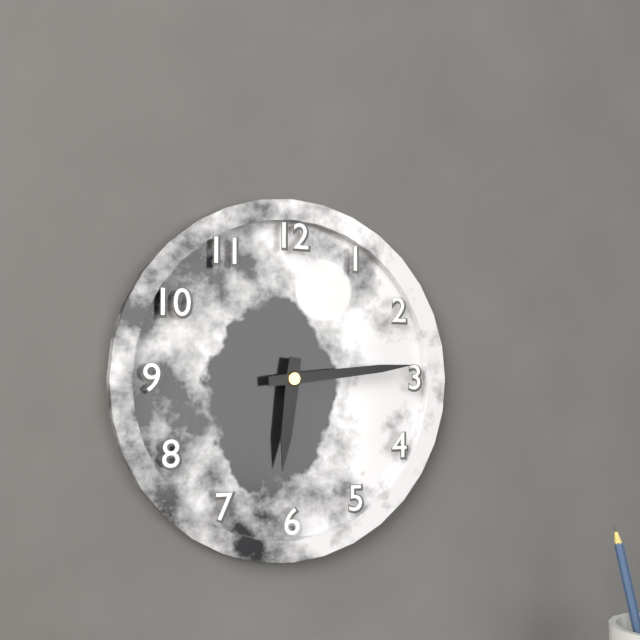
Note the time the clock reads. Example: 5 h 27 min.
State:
6 h 14 min
